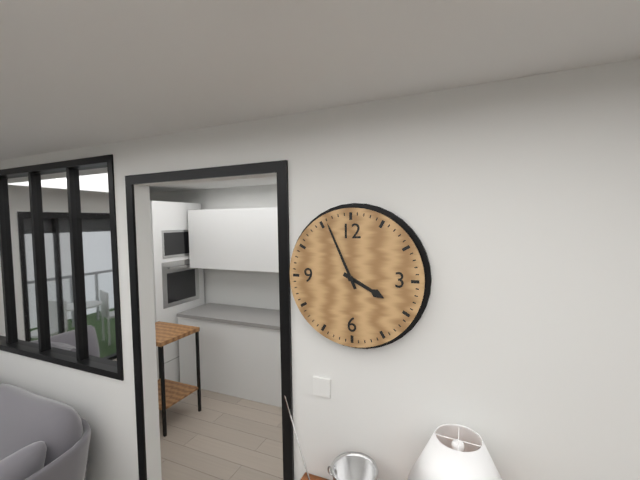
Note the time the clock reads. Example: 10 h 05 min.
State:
3 h 56 min
